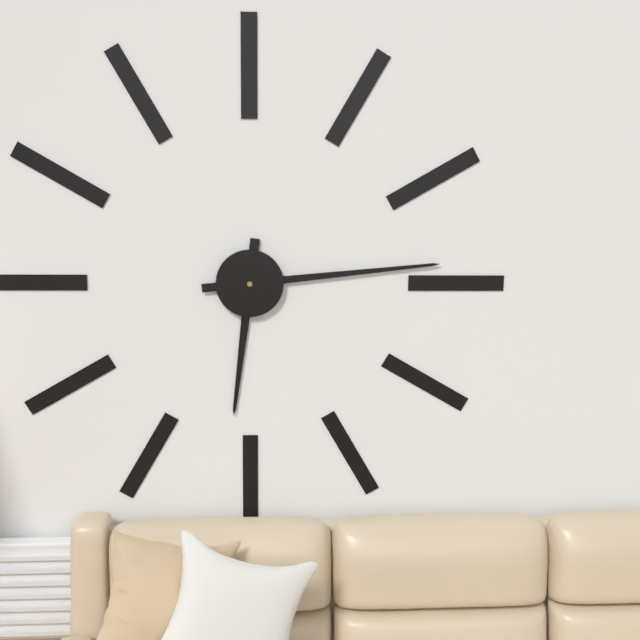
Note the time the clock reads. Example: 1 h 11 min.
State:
6 h 14 min
